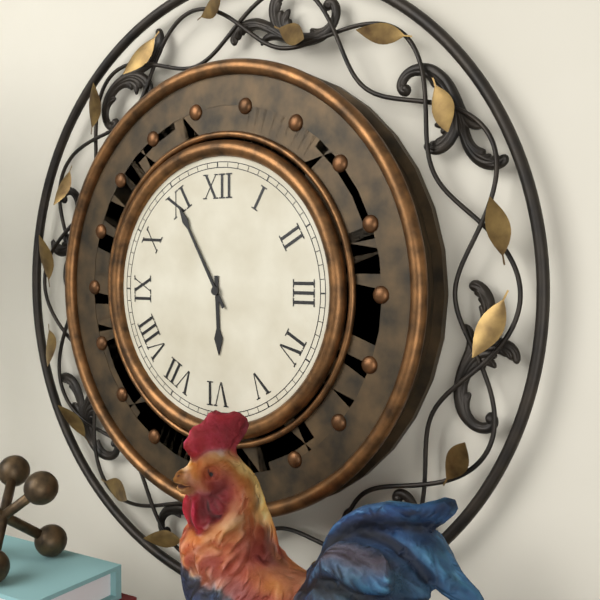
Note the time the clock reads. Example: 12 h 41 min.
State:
5 h 55 min
